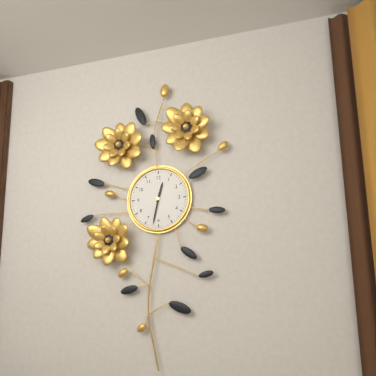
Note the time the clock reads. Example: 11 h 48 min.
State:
12 h 32 min
